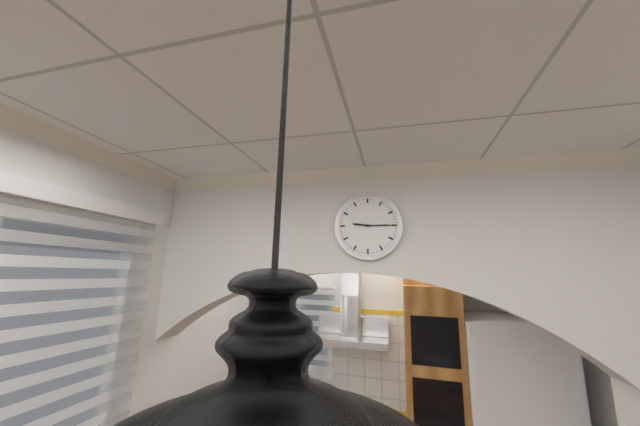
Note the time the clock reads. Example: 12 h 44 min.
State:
9 h 15 min
